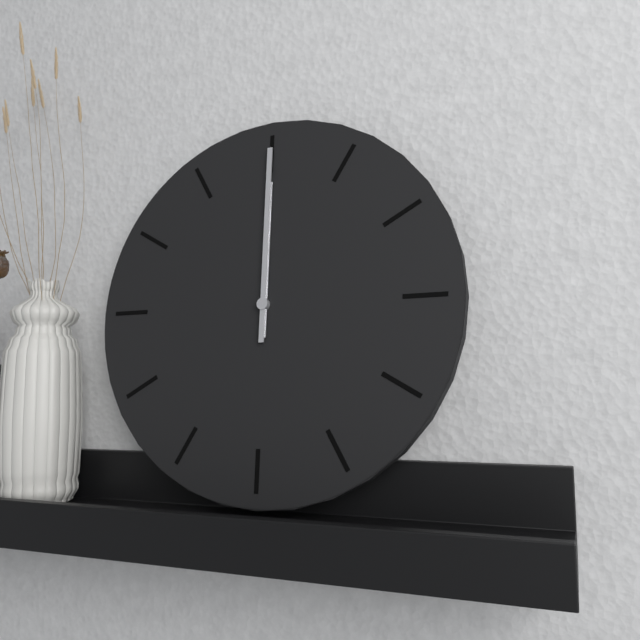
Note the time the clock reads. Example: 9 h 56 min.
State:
12 h 00 min
